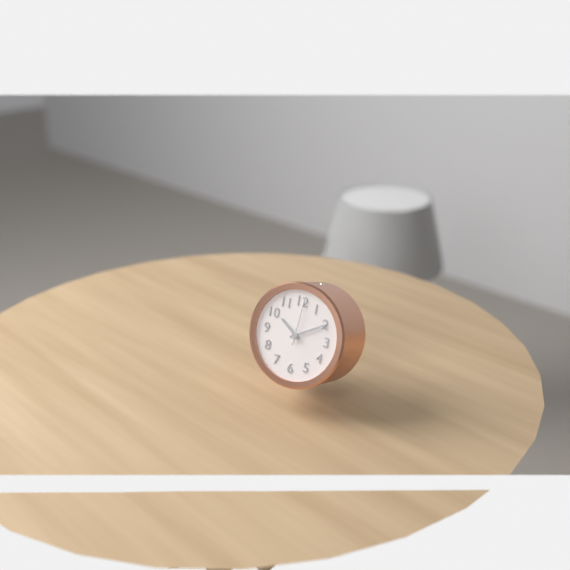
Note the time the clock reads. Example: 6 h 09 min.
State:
10 h 10 min
